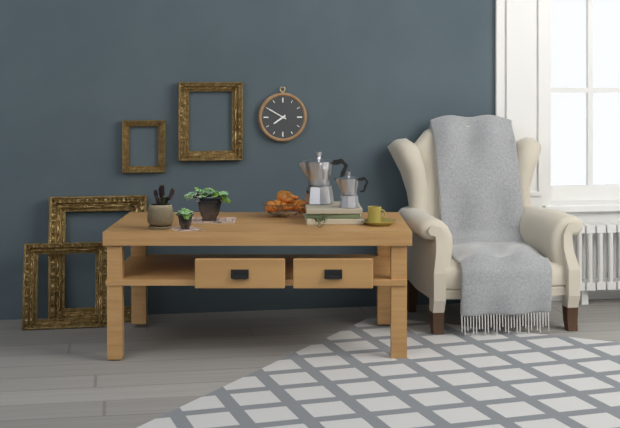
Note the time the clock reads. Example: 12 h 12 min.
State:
7 h 50 min
